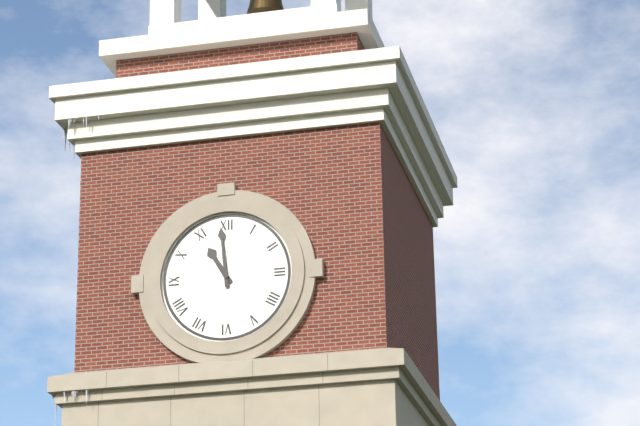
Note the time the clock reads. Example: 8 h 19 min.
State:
10 h 59 min
